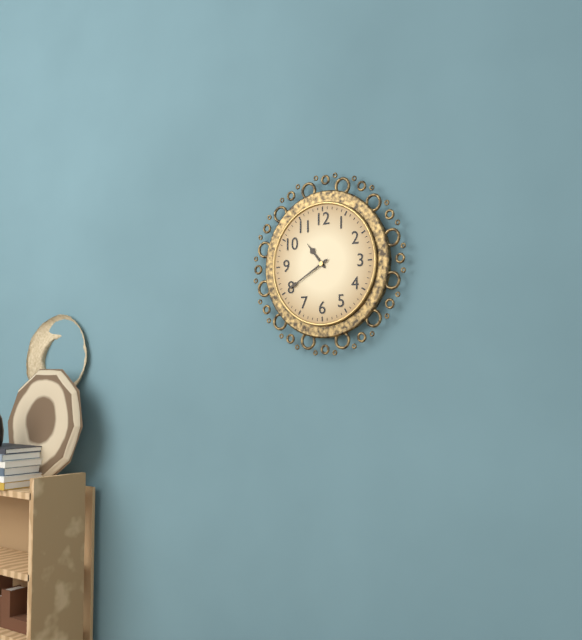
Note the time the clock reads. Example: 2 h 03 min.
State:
10 h 40 min
